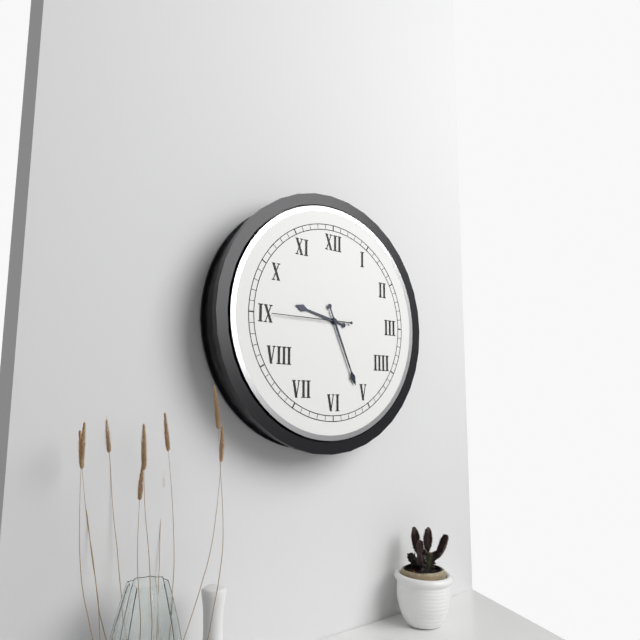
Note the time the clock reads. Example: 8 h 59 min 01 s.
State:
9 h 26 min 45 s
